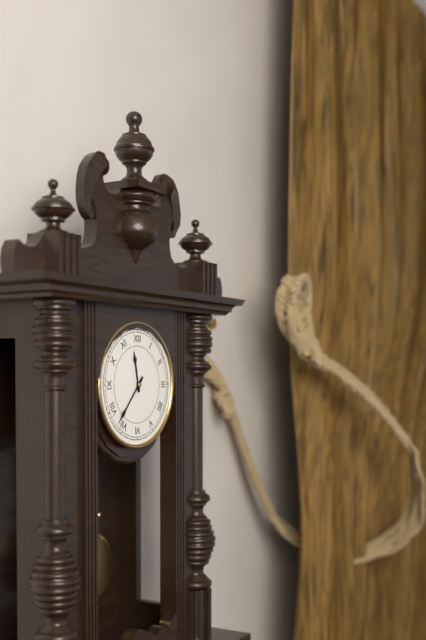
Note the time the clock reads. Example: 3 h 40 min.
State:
11 h 37 min
